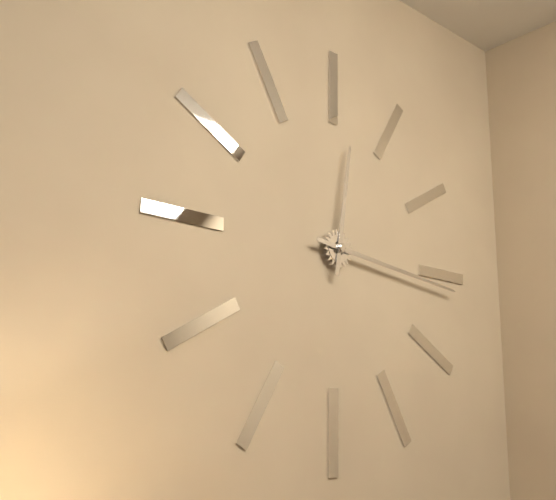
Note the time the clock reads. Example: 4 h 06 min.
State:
12 h 16 min
